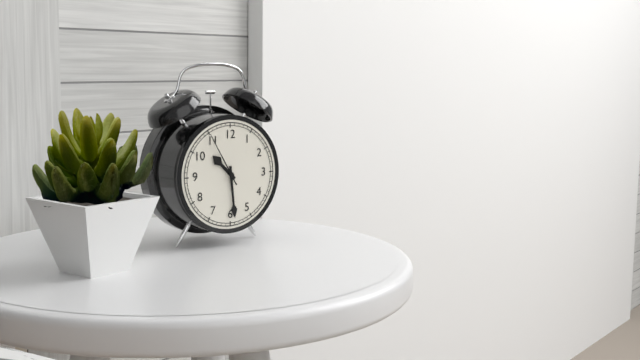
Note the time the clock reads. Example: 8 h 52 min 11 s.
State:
10 h 29 min 55 s
